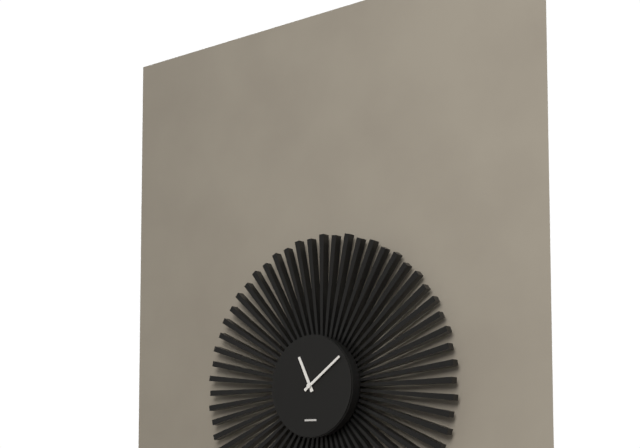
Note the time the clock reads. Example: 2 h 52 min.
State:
11 h 09 min
